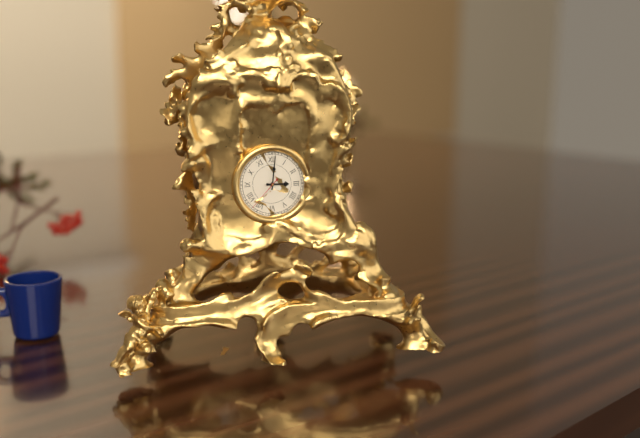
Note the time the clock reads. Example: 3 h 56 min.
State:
3 h 01 min
